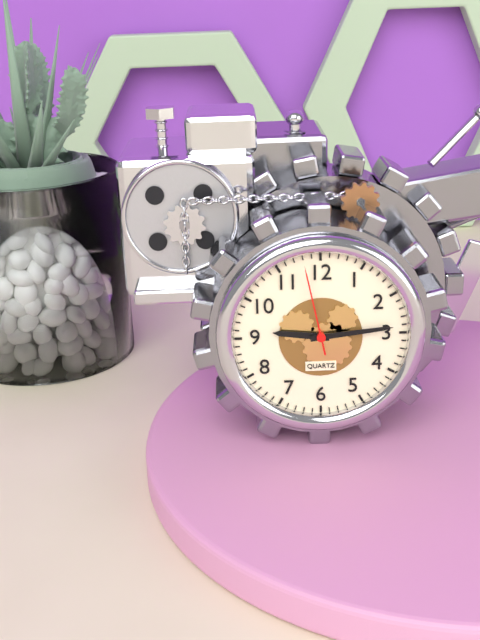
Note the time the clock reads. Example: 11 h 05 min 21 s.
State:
9 h 14 min 58 s
